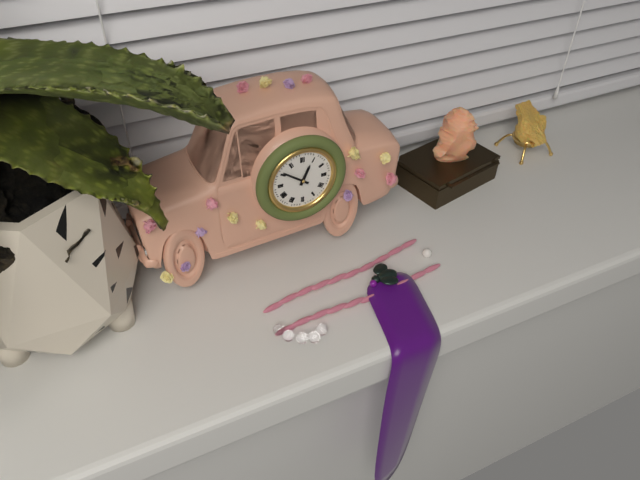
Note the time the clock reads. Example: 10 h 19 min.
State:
12 h 51 min
